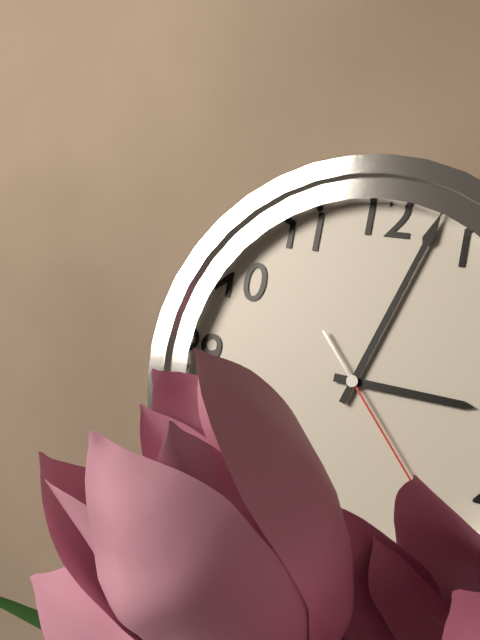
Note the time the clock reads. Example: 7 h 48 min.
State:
3 h 03 min
